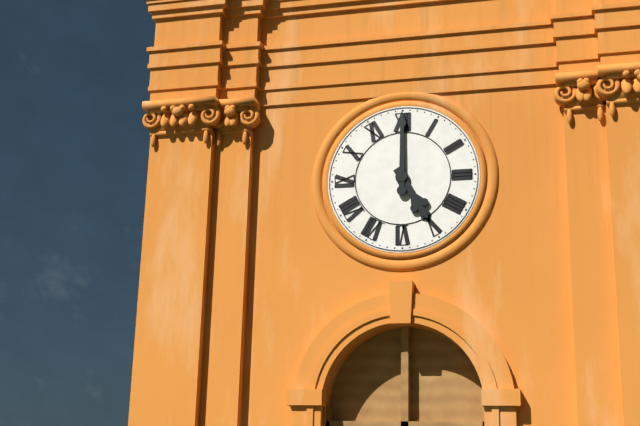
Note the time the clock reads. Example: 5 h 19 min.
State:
5 h 00 min
